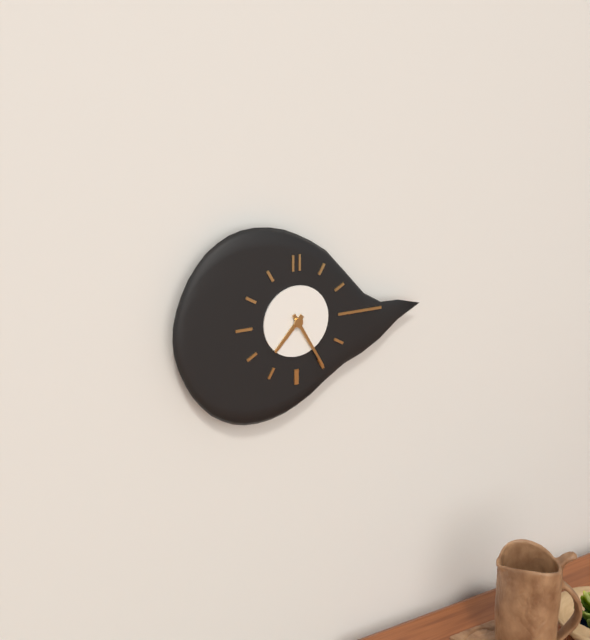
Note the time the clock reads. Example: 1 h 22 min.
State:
7 h 25 min
